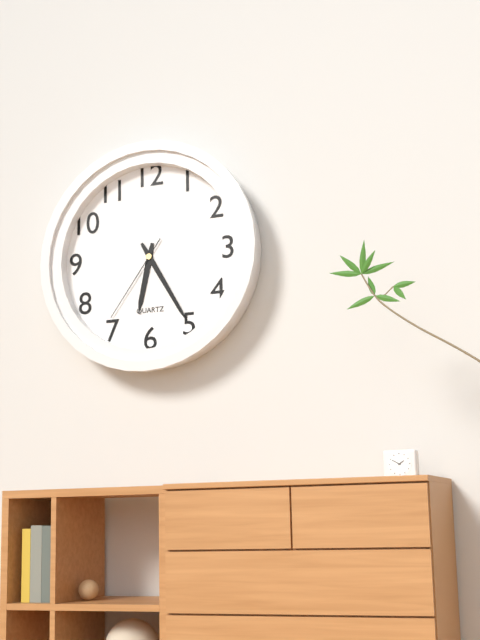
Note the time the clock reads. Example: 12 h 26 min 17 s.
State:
6 h 25 min 36 s
